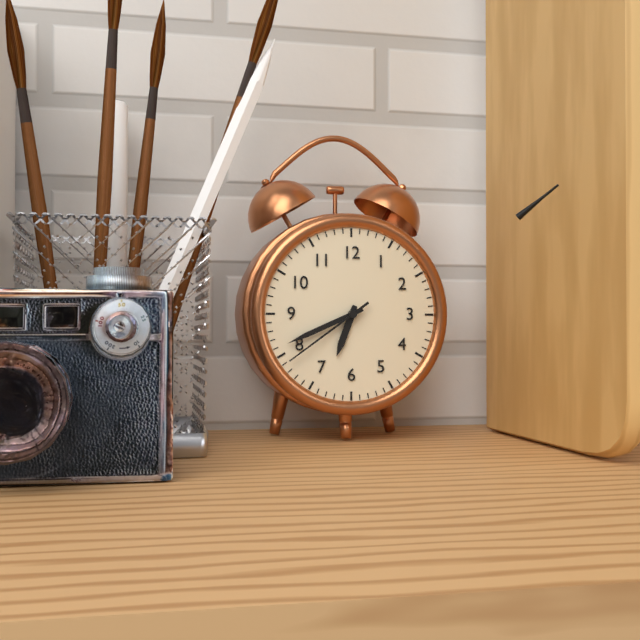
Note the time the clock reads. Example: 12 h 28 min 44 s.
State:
6 h 41 min 39 s
